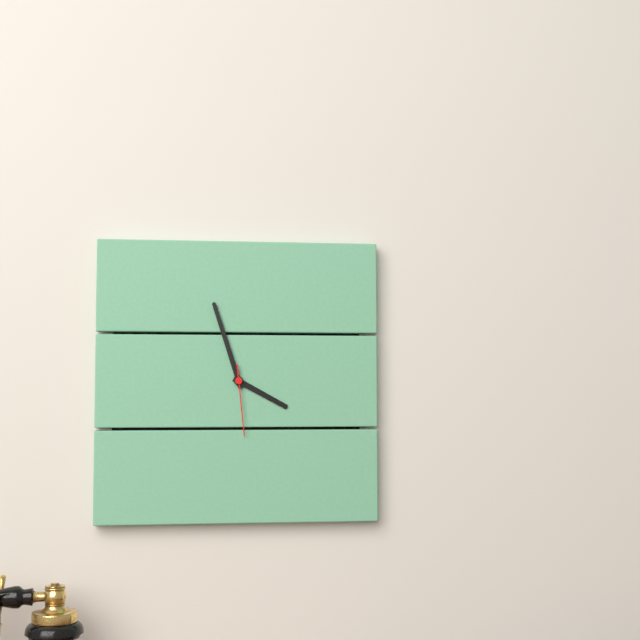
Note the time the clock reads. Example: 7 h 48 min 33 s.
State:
3 h 57 min 29 s
